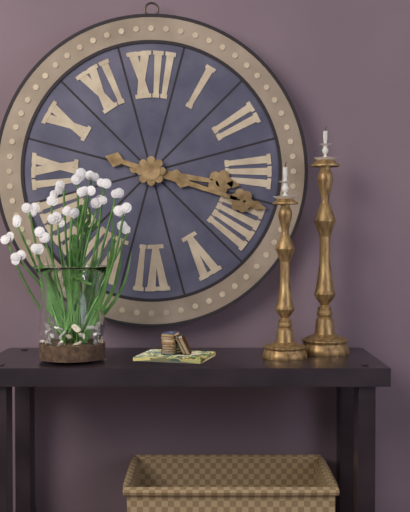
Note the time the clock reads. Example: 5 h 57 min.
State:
3 h 18 min
